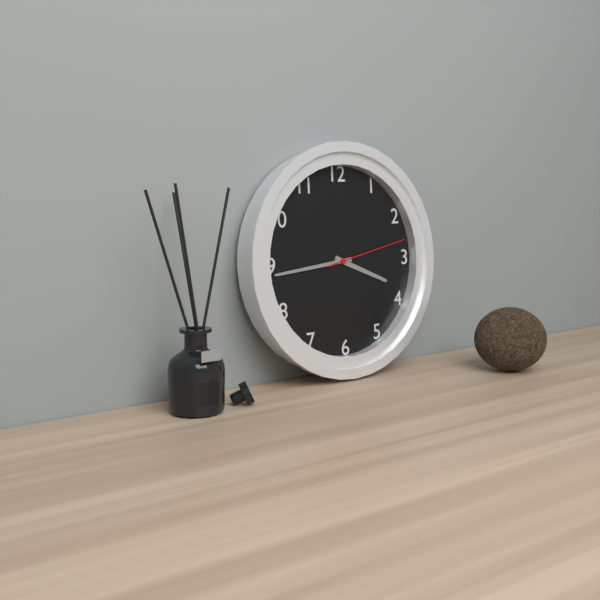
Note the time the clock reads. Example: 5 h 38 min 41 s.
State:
3 h 44 min 13 s
